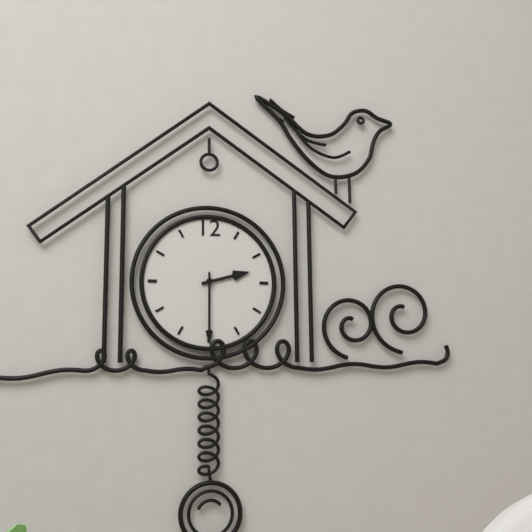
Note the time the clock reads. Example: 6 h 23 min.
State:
2 h 30 min
